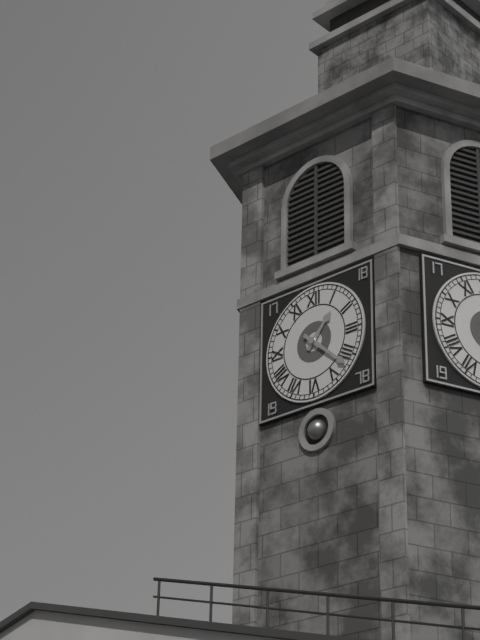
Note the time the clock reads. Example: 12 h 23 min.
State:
1 h 22 min
